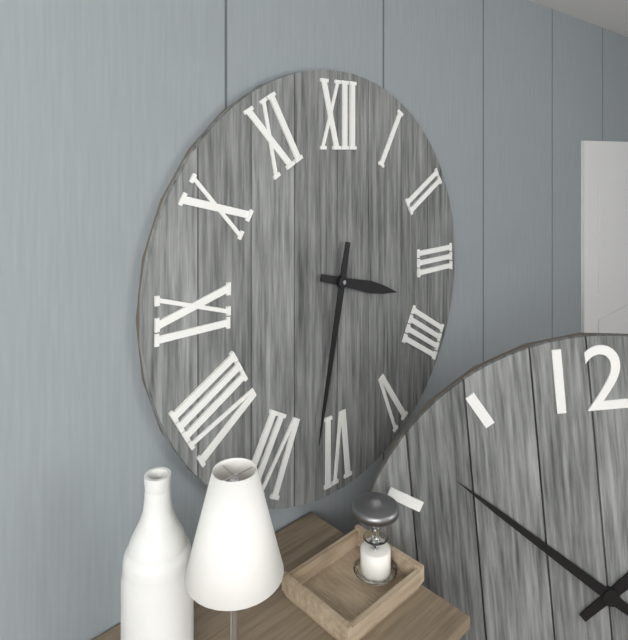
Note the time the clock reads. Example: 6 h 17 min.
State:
3 h 32 min
